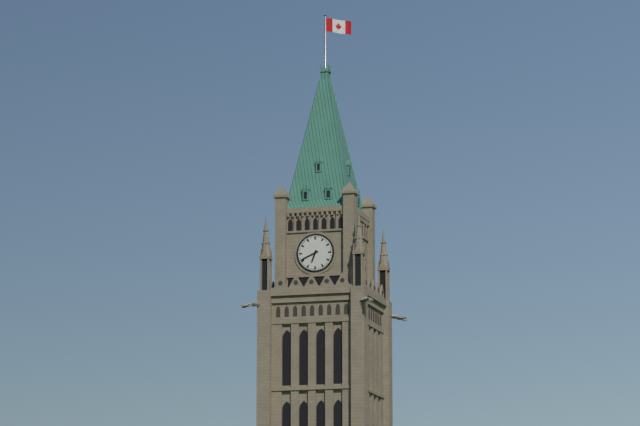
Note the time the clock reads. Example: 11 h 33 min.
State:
6 h 41 min
